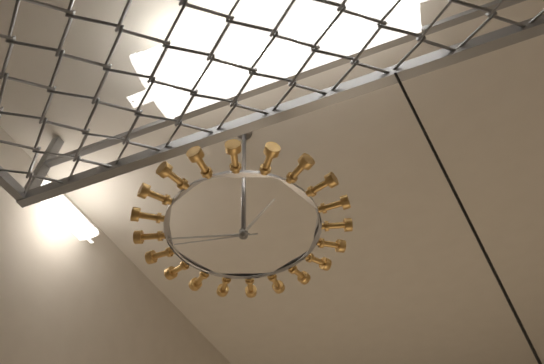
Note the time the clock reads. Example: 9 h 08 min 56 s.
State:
1 h 48 min 47 s
